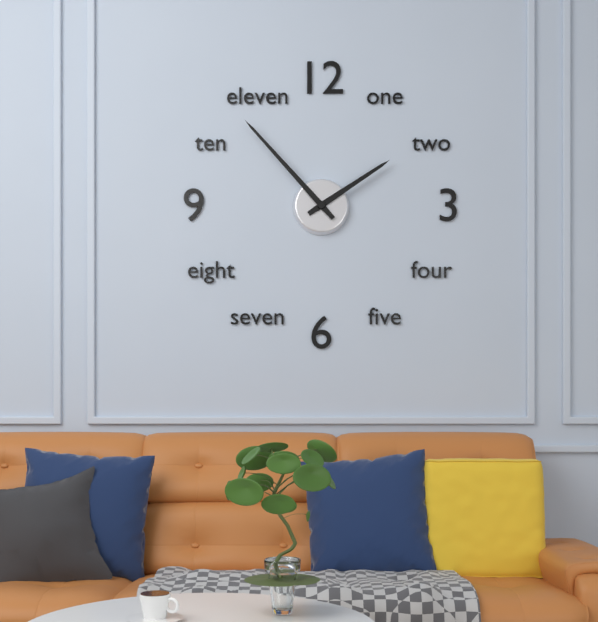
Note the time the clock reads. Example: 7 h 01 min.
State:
1 h 53 min
